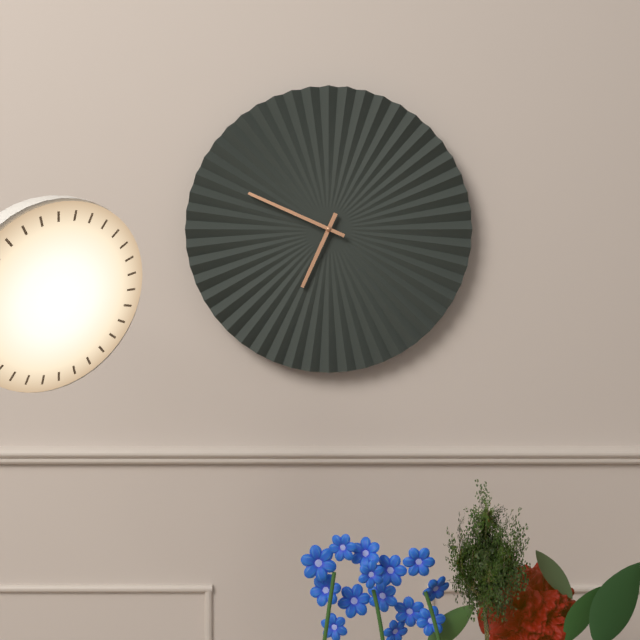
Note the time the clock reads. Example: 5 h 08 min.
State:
6 h 49 min
